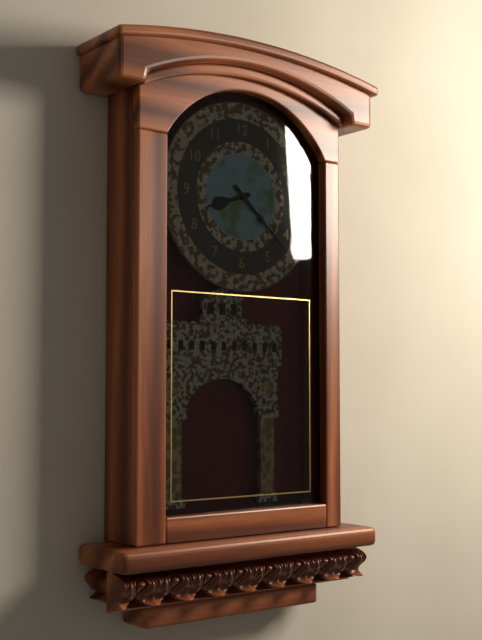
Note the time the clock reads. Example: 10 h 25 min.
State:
8 h 22 min
